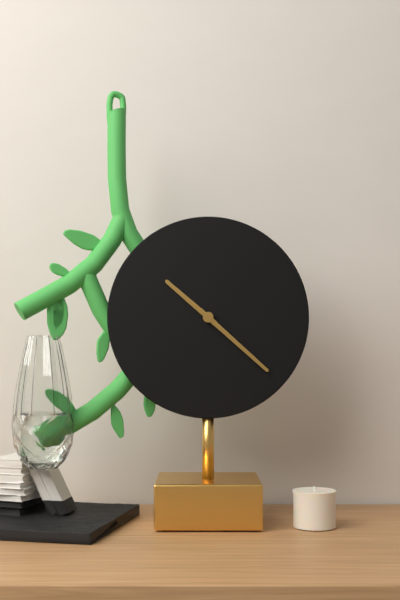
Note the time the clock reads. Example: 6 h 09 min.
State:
10 h 22 min
